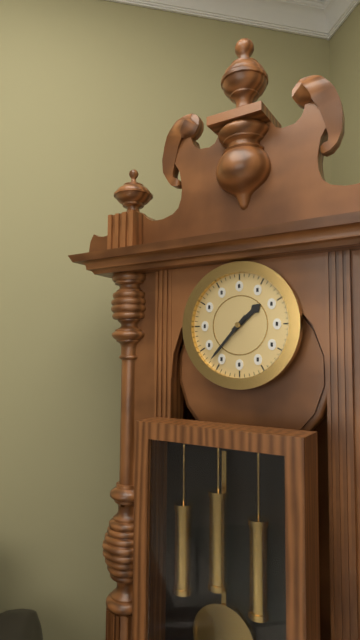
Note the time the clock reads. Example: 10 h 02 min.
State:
1 h 37 min
